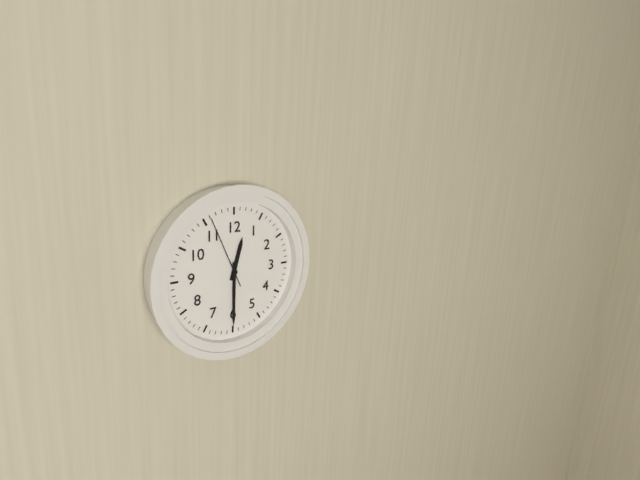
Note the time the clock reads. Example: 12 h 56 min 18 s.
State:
12 h 30 min 56 s
